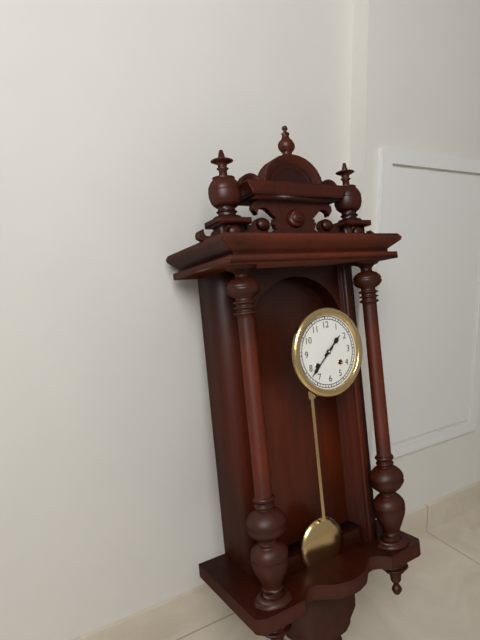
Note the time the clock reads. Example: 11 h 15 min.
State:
1 h 38 min
